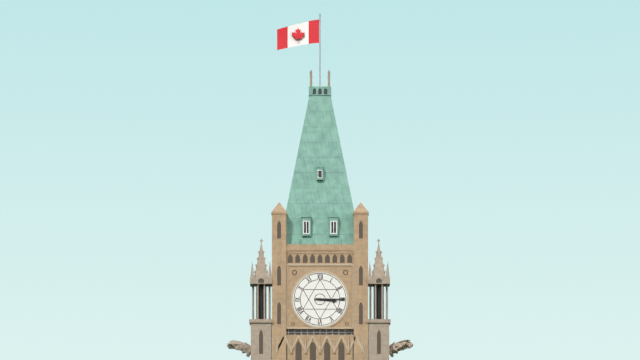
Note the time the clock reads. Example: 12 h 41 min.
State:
3 h 15 min
